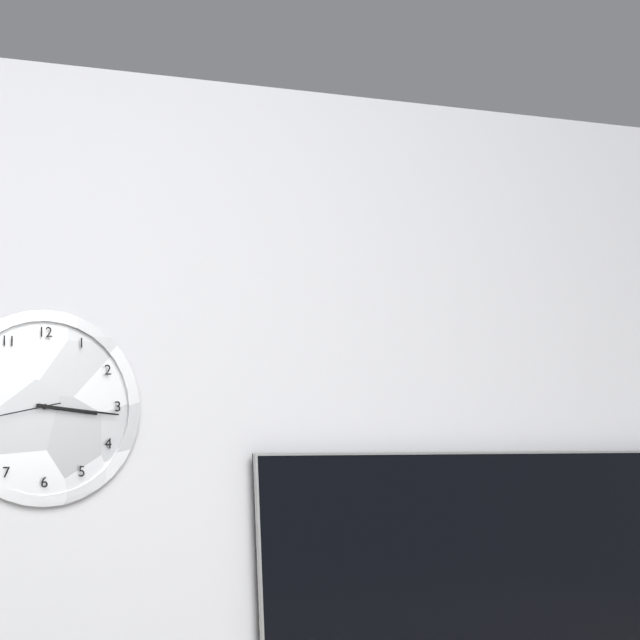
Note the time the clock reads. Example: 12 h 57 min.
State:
3 h 16 min
